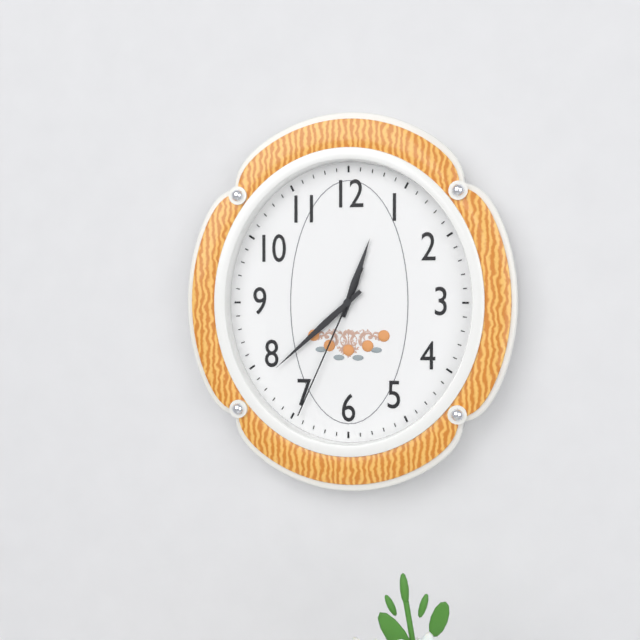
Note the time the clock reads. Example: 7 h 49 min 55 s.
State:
12 h 38 min 34 s
